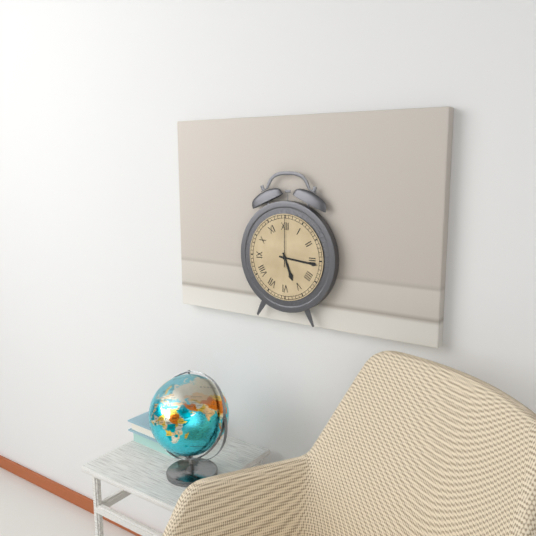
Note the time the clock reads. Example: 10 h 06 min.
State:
5 h 16 min
